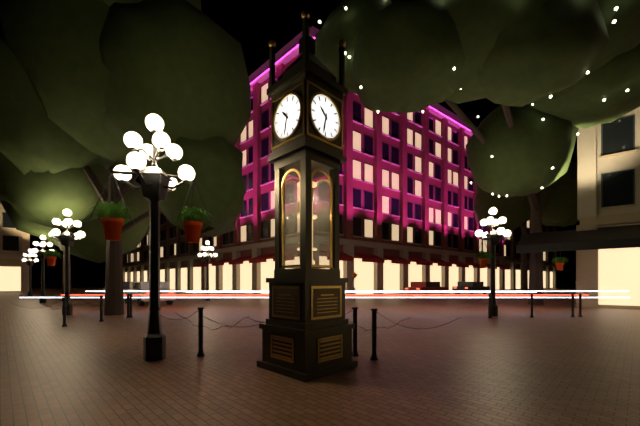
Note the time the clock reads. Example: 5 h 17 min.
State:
10 h 32 min
